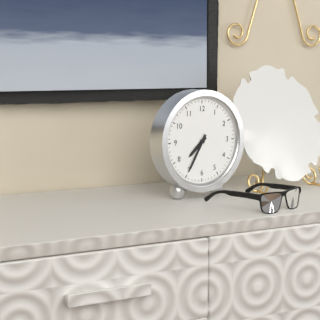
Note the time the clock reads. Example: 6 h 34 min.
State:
7 h 35 min
